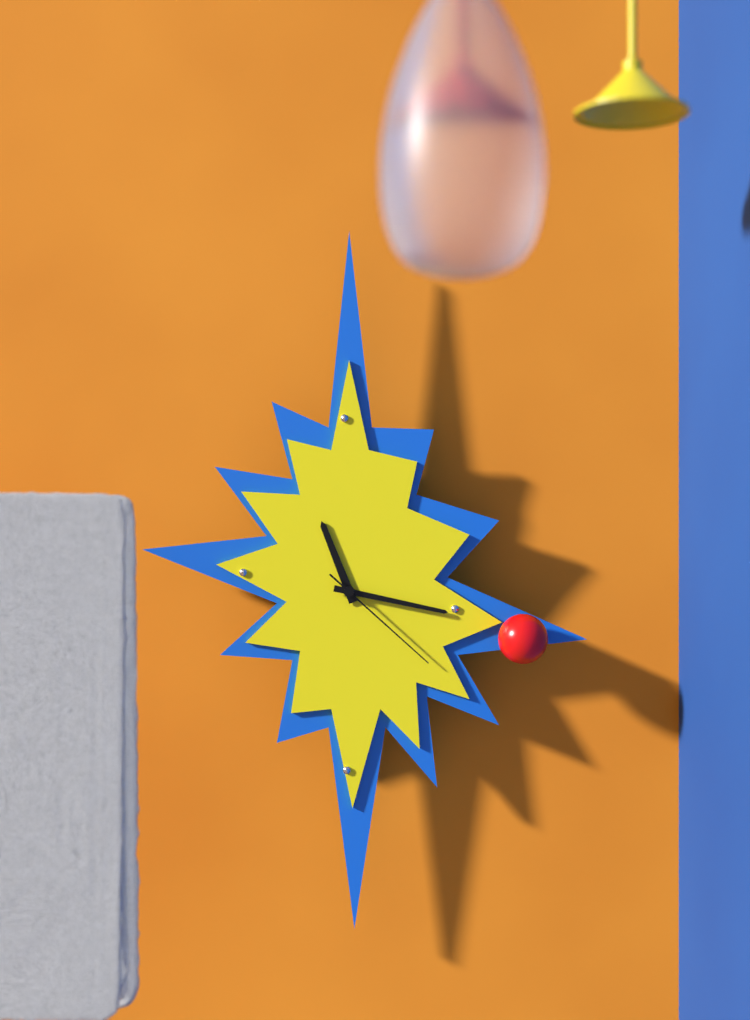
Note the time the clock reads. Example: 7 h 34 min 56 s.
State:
11 h 17 min 22 s
